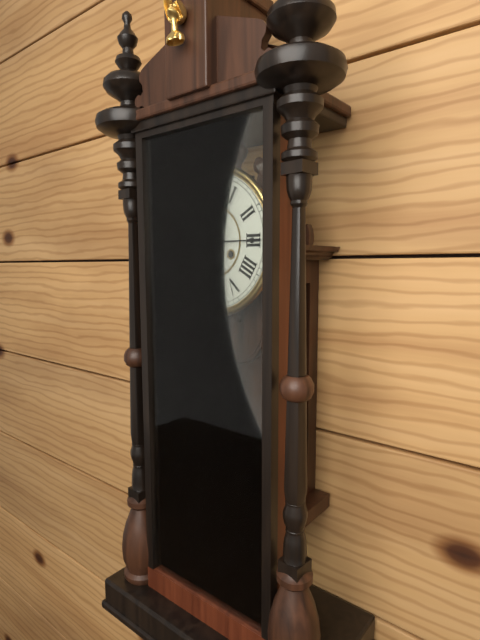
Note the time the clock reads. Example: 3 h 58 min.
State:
9 h 15 min
